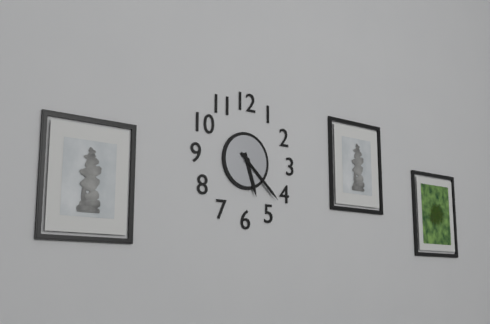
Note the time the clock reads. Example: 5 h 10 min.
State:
5 h 22 min
